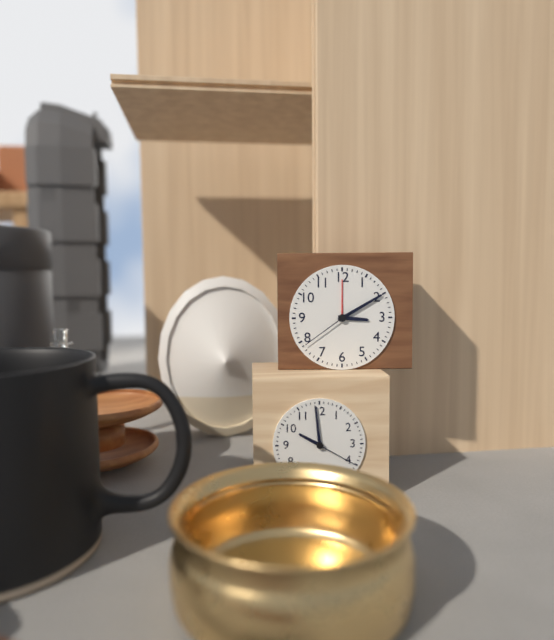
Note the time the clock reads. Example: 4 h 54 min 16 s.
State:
3 h 10 min 39 s
